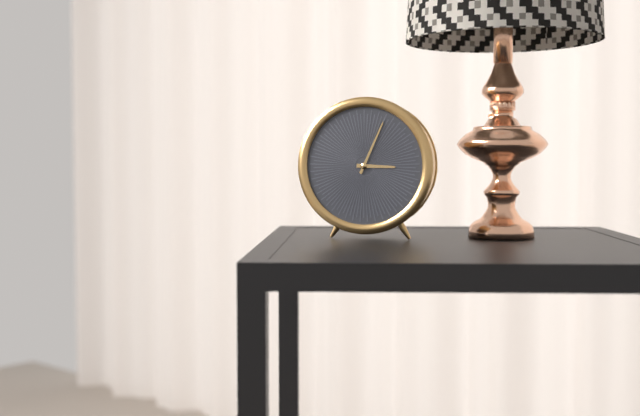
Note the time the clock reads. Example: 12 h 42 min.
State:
3 h 04 min
